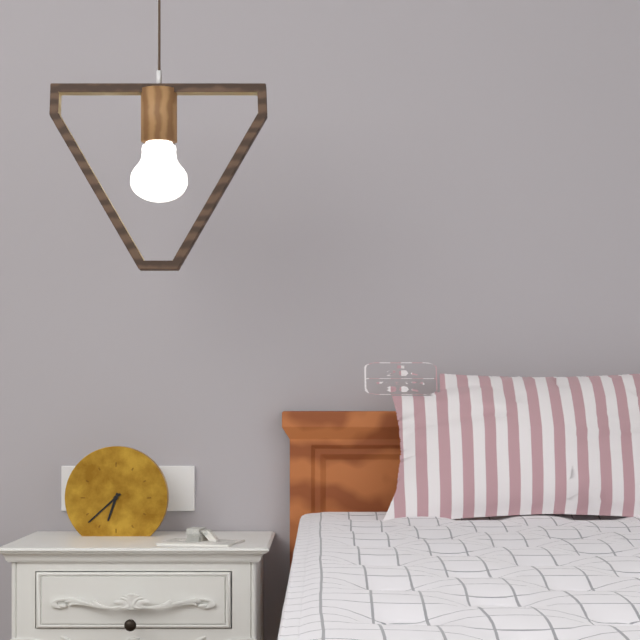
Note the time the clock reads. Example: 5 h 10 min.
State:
6 h 38 min
